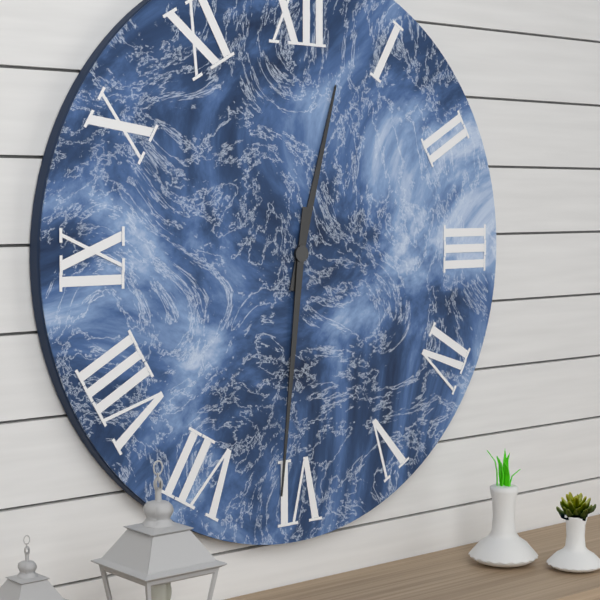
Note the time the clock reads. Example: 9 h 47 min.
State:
12 h 31 min
